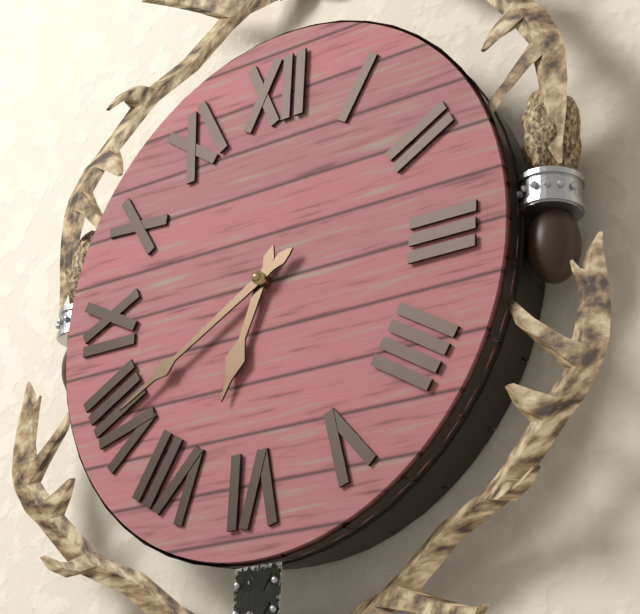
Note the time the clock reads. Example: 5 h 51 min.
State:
6 h 40 min
